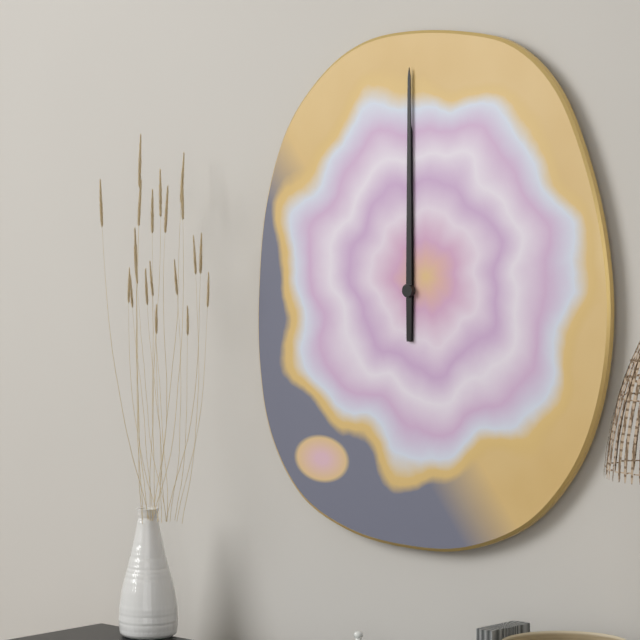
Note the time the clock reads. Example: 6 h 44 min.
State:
12 h 00 min
